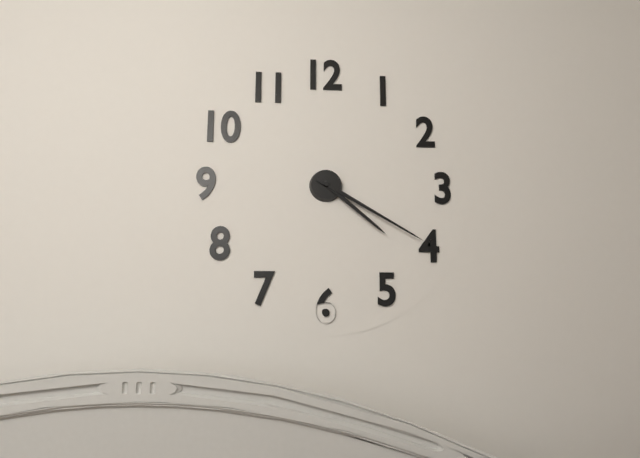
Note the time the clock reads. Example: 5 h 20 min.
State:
4 h 20 min
